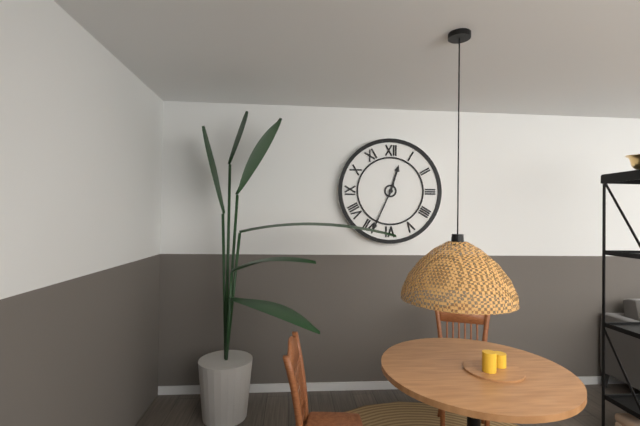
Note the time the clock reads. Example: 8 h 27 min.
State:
12 h 34 min
